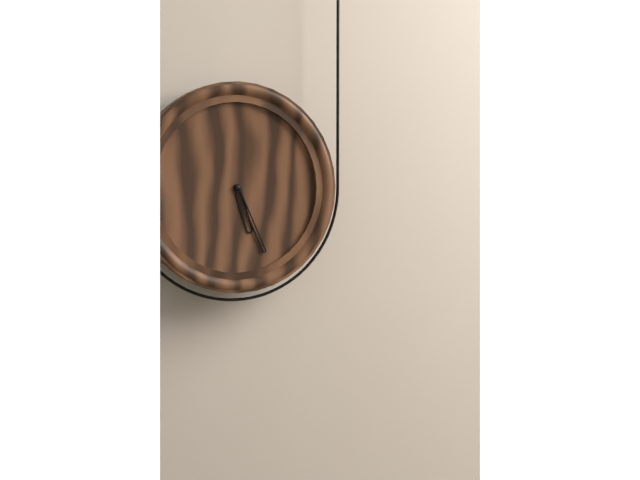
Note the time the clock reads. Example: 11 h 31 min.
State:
5 h 26 min
